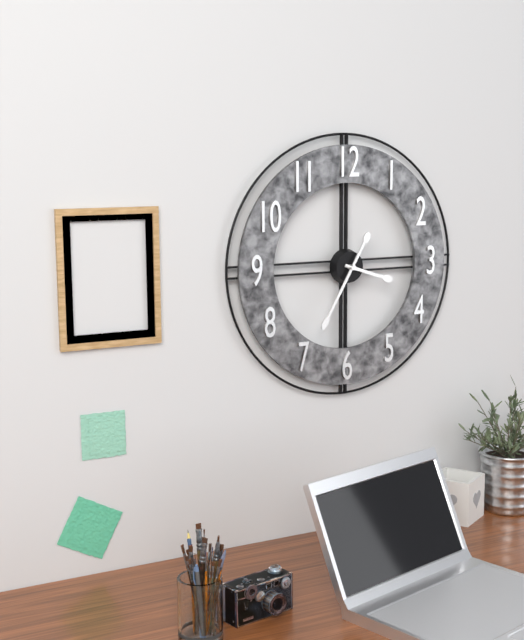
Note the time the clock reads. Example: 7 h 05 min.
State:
3 h 35 min
